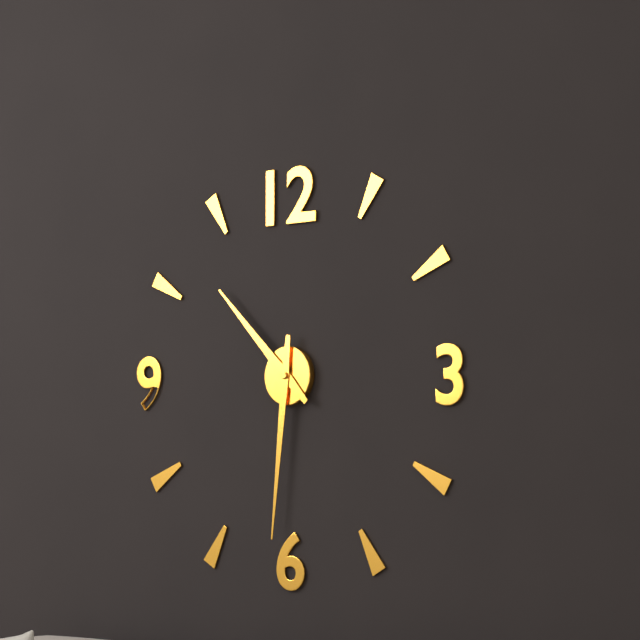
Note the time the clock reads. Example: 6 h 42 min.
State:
10 h 31 min
